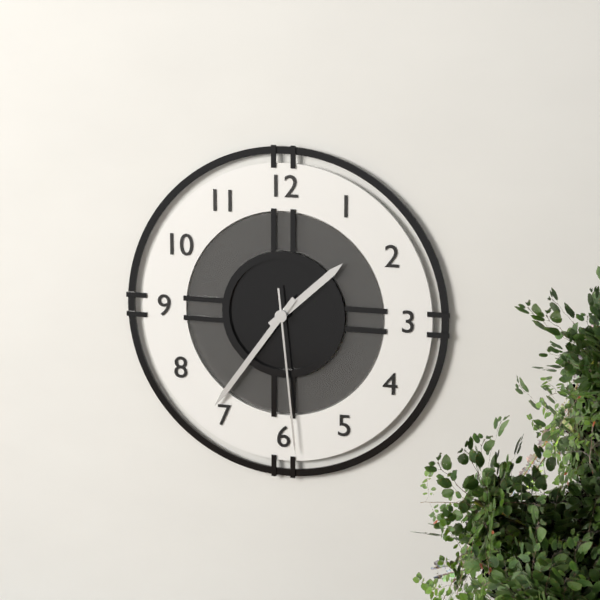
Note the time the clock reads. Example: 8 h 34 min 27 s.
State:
1 h 36 min 29 s
